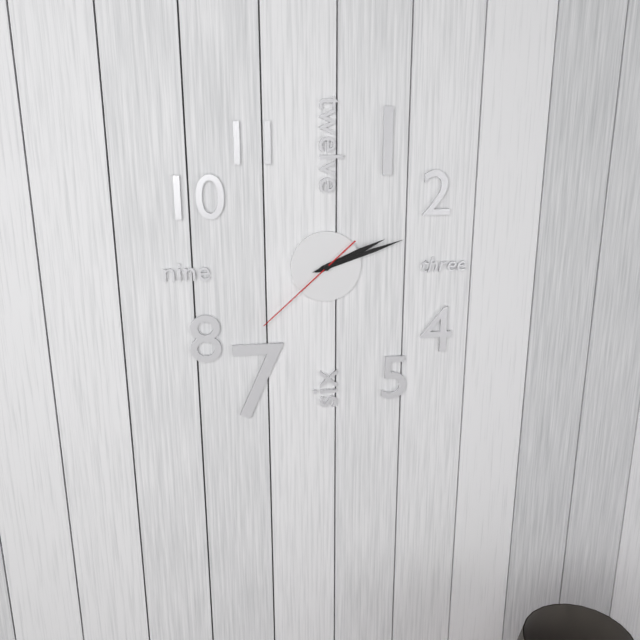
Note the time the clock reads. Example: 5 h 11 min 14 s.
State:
2 h 12 min 38 s
